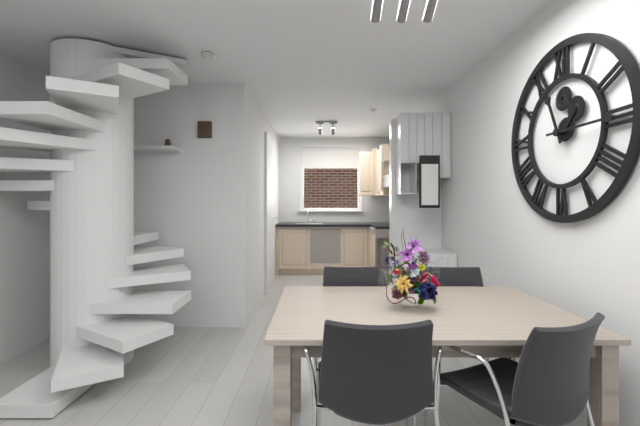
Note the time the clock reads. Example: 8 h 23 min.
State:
11 h 15 min
